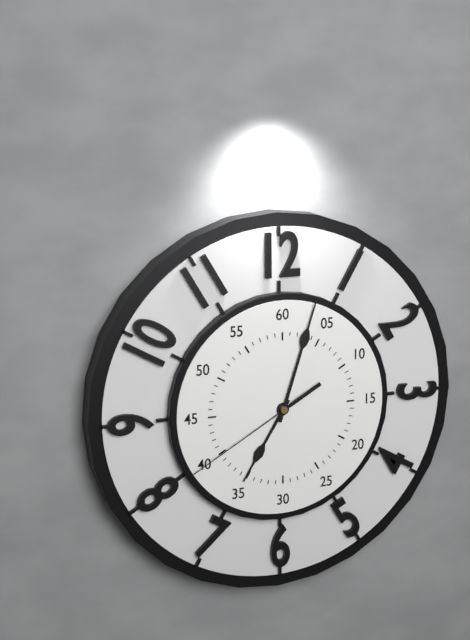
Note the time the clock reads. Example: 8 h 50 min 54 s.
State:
7 h 03 min 40 s
